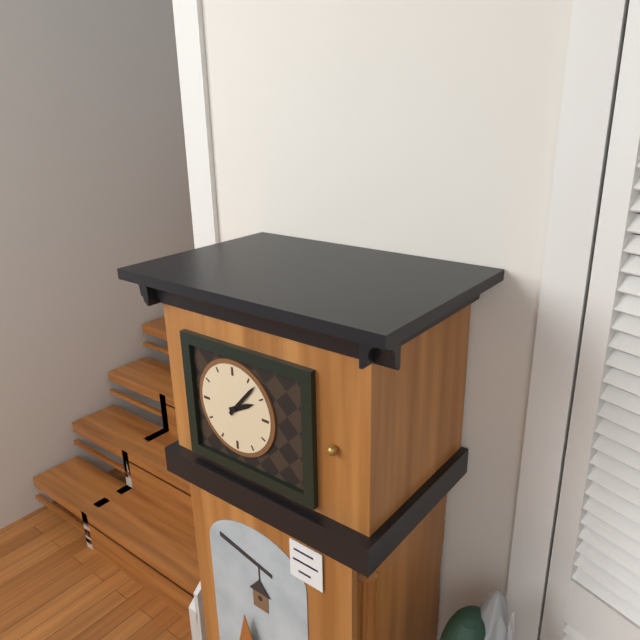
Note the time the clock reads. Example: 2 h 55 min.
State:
2 h 07 min
